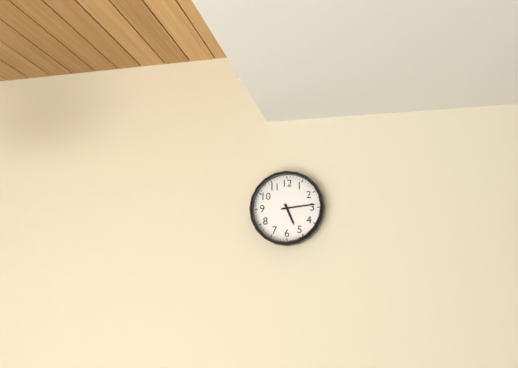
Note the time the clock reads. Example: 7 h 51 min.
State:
5 h 14 min
